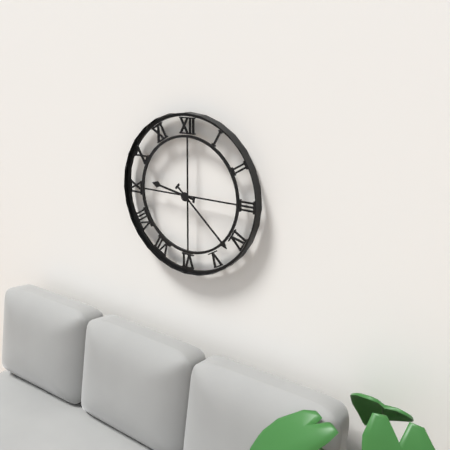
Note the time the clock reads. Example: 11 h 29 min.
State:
9 h 22 min
